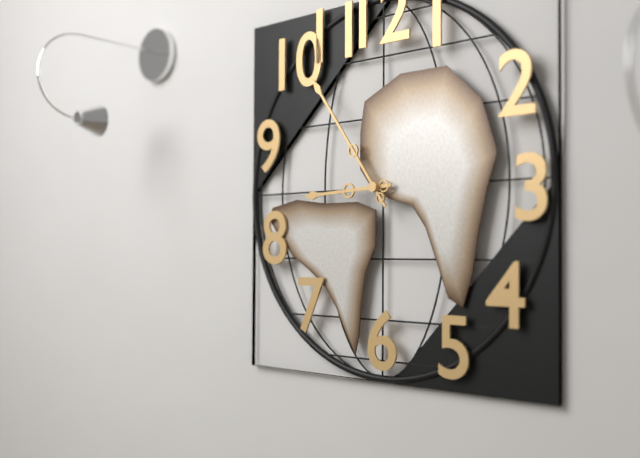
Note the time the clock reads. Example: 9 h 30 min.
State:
8 h 54 min
